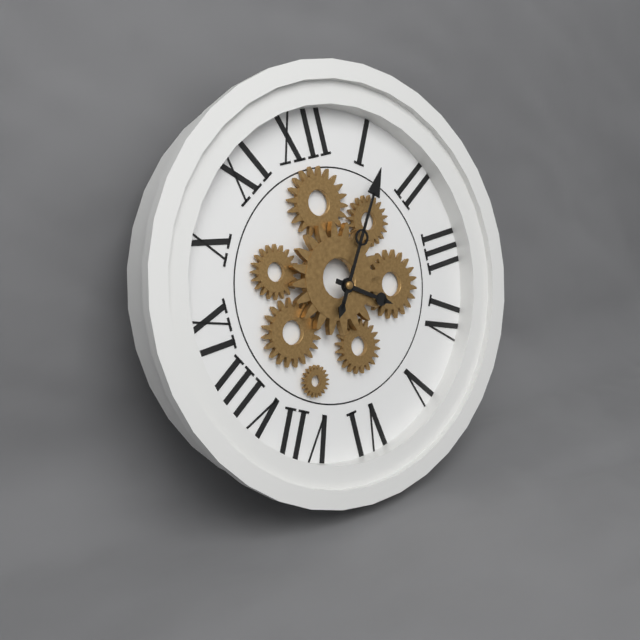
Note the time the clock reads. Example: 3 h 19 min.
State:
4 h 06 min
